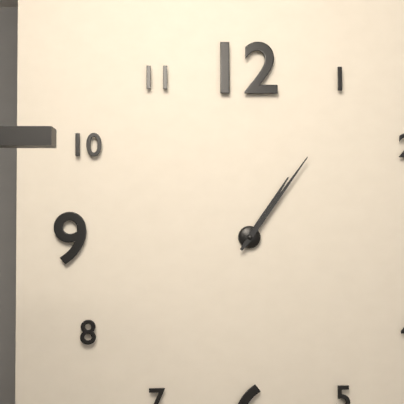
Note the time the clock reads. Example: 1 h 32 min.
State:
1 h 06 min
